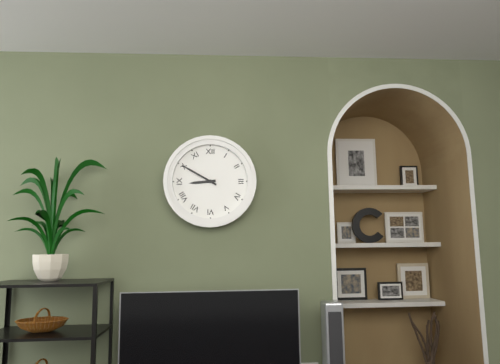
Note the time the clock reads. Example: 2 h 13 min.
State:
8 h 50 min
